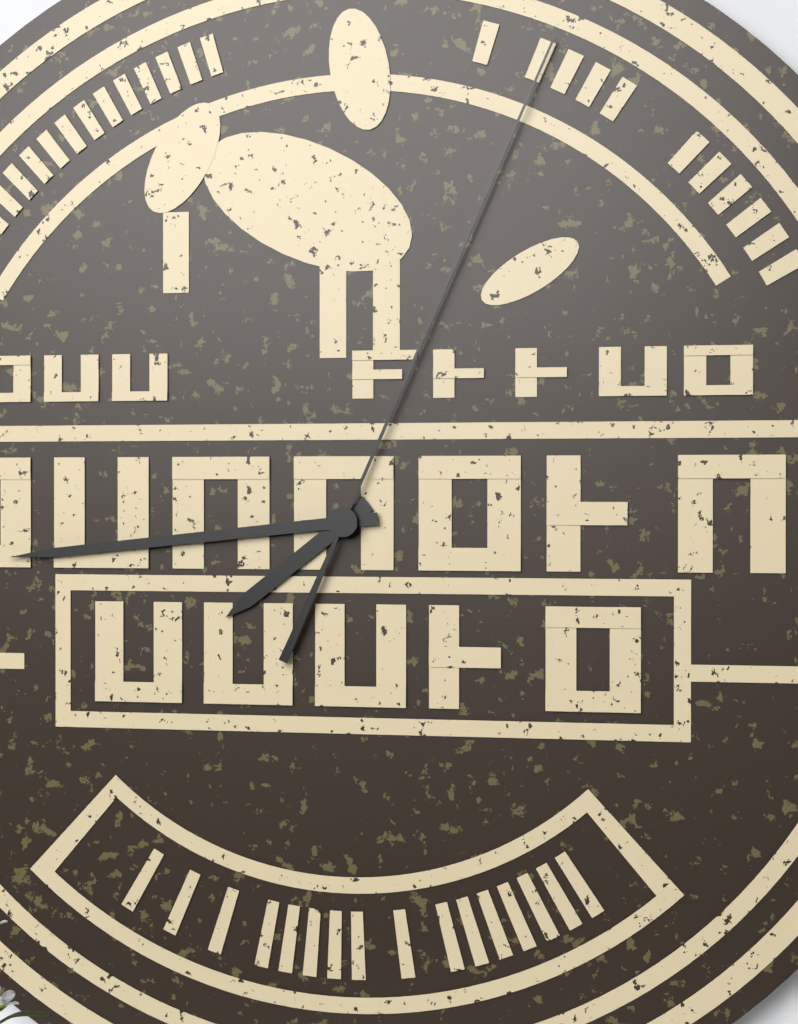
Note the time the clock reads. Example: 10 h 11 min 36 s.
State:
7 h 44 min 04 s
